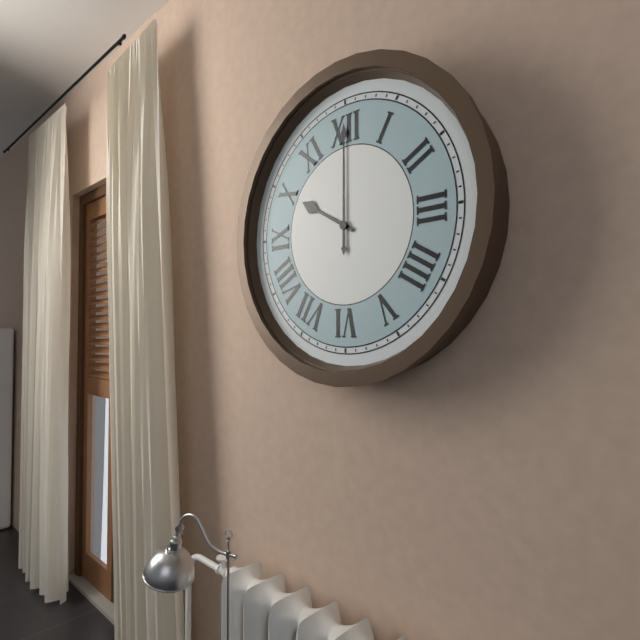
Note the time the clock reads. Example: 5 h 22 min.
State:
10 h 00 min
